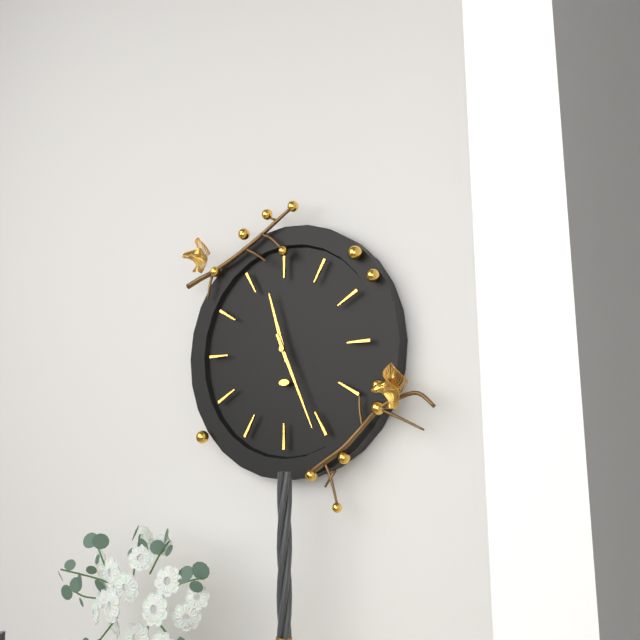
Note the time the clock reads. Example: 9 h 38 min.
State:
11 h 26 min
